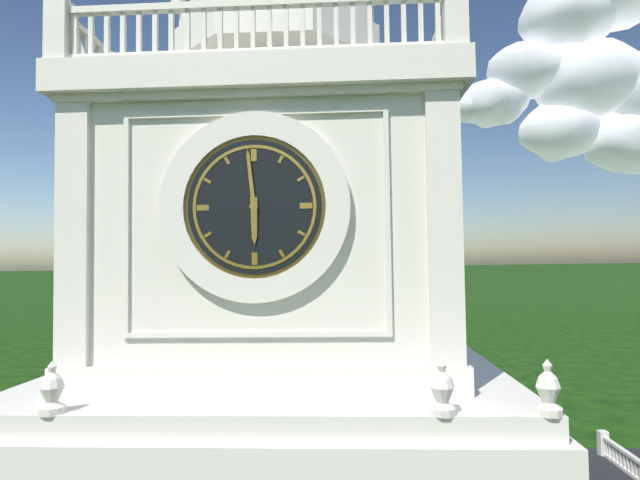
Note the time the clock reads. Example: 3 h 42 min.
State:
5 h 59 min
